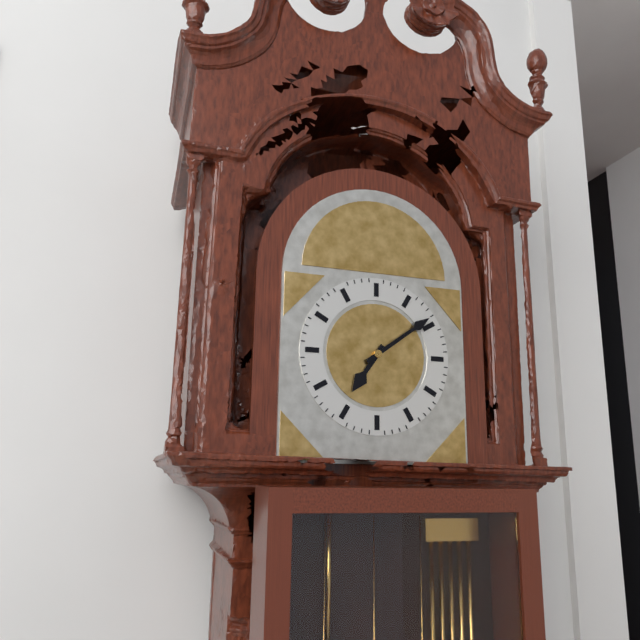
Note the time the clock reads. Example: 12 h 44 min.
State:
7 h 09 min
